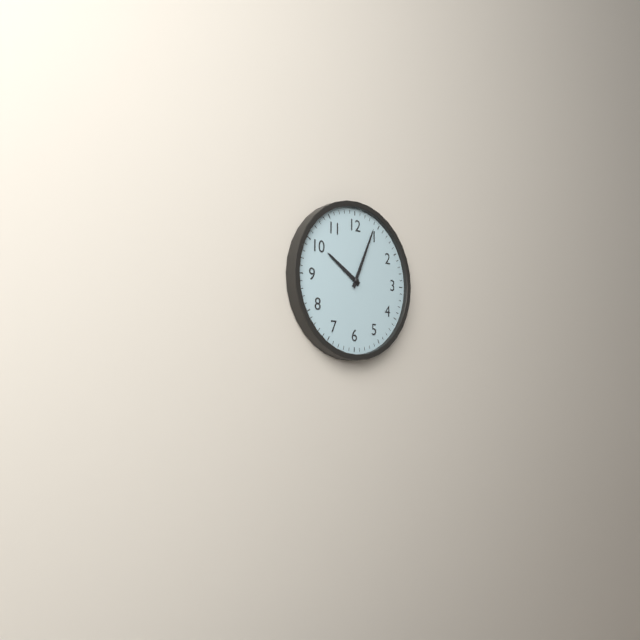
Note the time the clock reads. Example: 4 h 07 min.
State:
10 h 04 min
